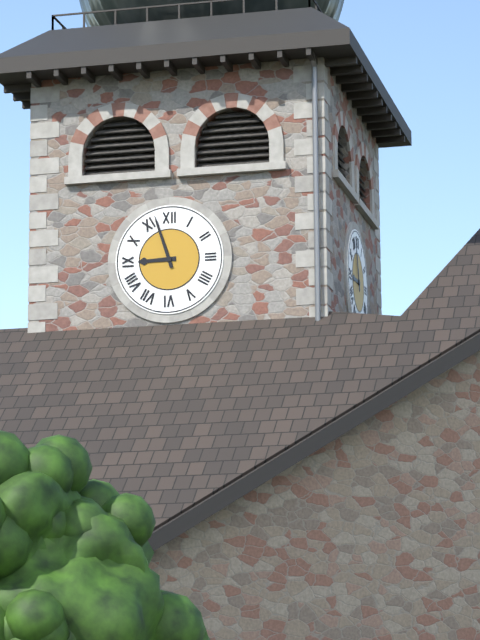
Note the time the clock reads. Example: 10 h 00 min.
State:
8 h 57 min
